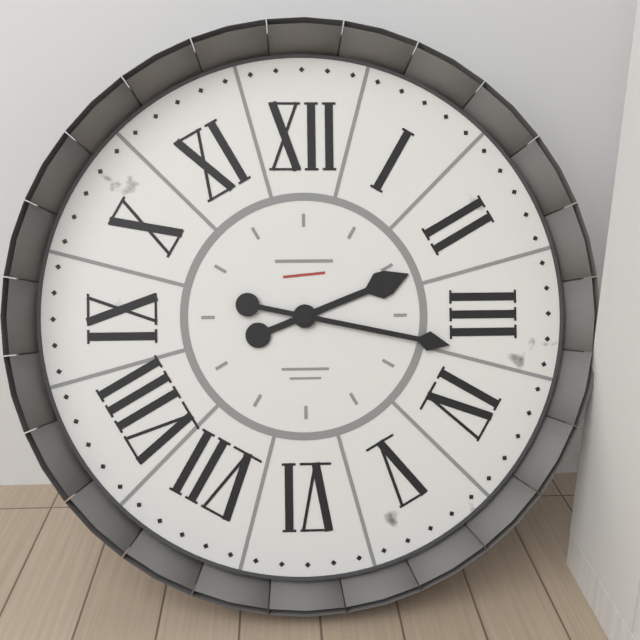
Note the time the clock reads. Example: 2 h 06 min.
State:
2 h 17 min
